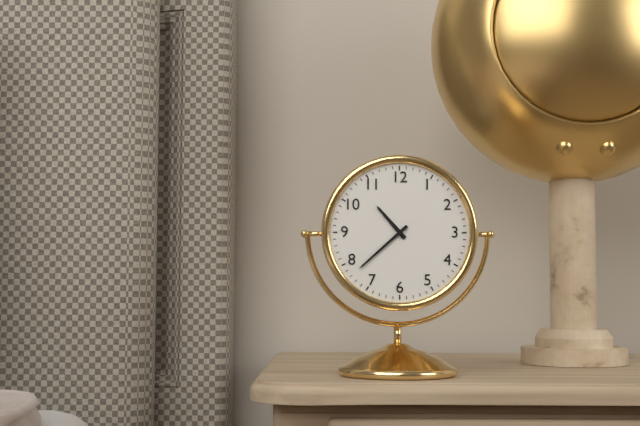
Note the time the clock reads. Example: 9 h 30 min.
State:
10 h 38 min
